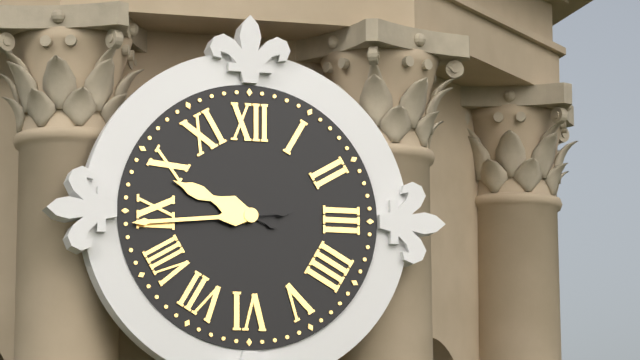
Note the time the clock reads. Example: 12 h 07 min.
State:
9 h 44 min
